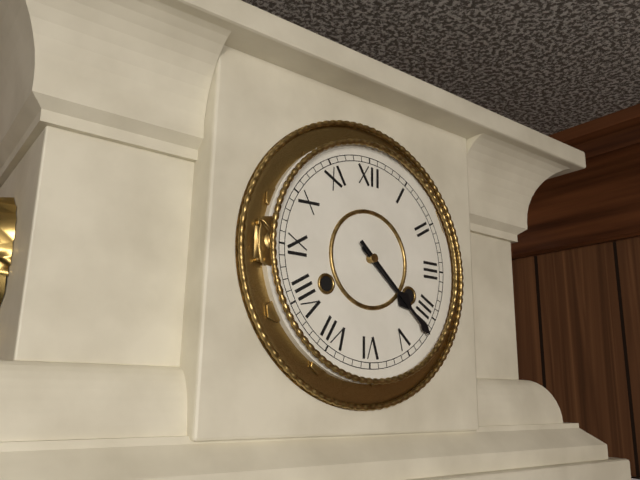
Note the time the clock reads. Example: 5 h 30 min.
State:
4 h 22 min
